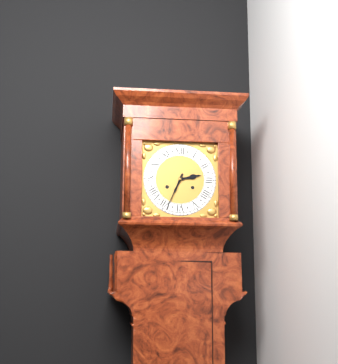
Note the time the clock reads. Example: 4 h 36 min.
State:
2 h 34 min
